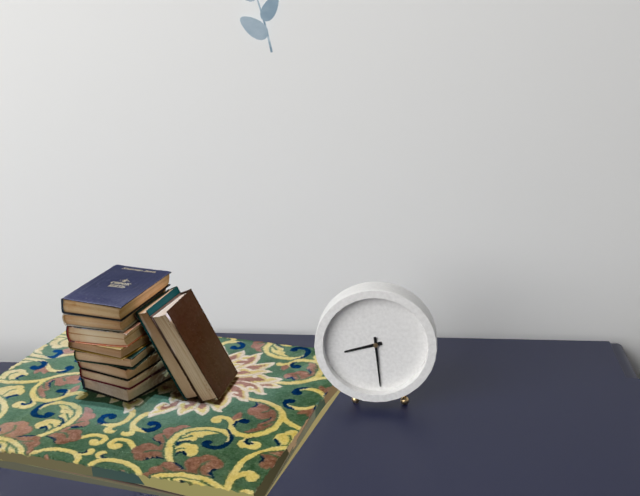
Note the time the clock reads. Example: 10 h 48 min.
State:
8 h 29 min
